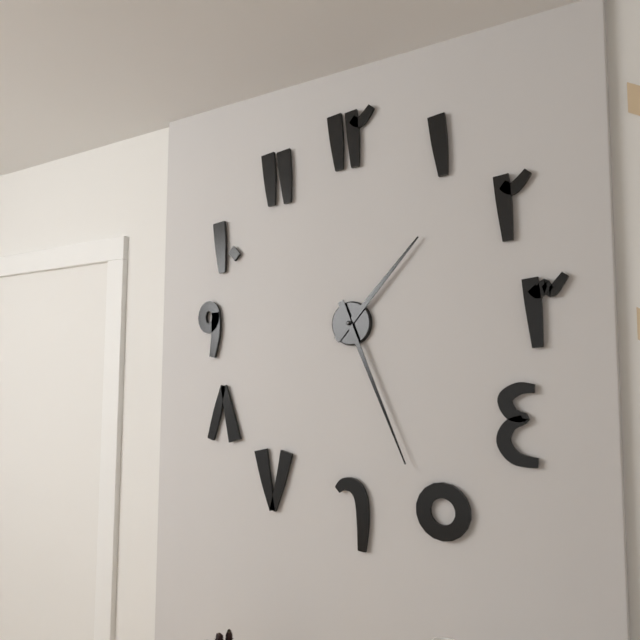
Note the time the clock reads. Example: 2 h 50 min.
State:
1 h 26 min
